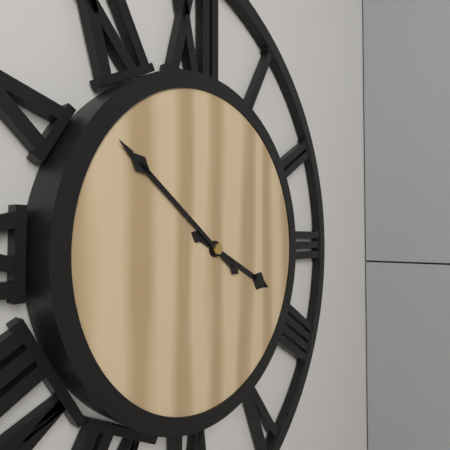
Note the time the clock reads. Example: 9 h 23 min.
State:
3 h 51 min
